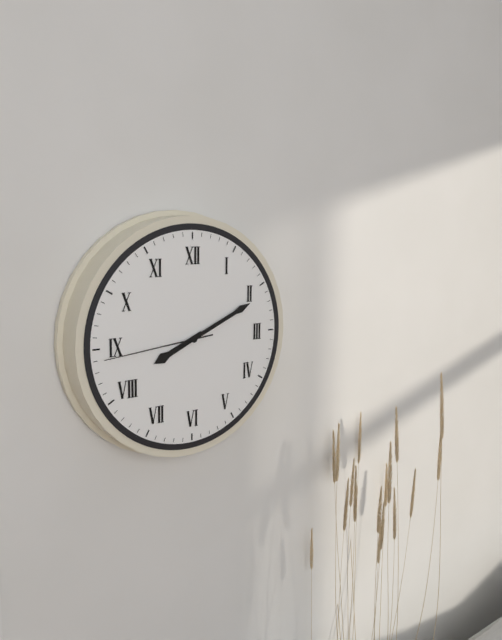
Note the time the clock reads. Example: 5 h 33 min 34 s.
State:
8 h 11 min 44 s
